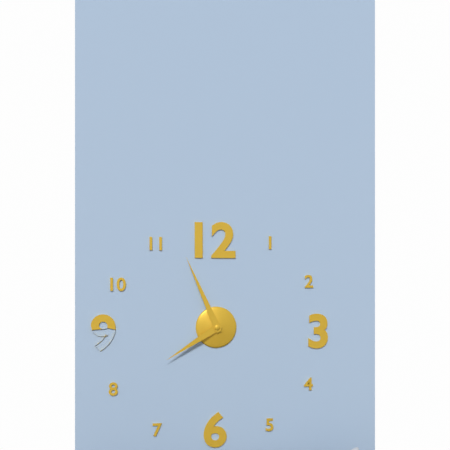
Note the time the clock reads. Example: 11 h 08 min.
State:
7 h 56 min
